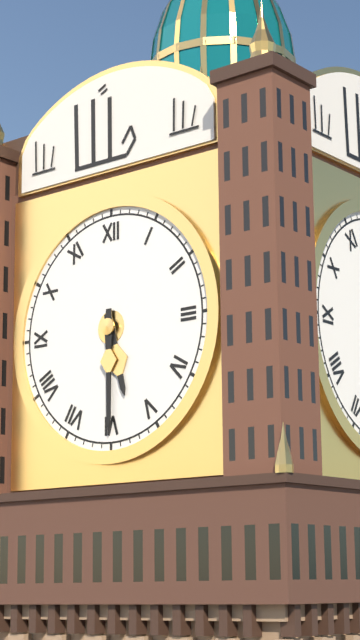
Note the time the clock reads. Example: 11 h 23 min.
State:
5 h 30 min
